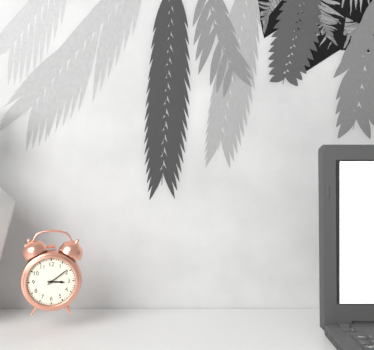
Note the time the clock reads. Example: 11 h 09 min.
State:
3 h 09 min
